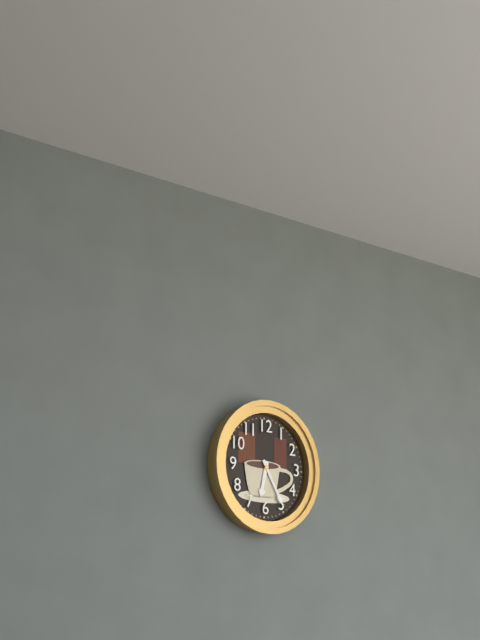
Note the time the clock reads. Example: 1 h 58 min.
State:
6 h 25 min
